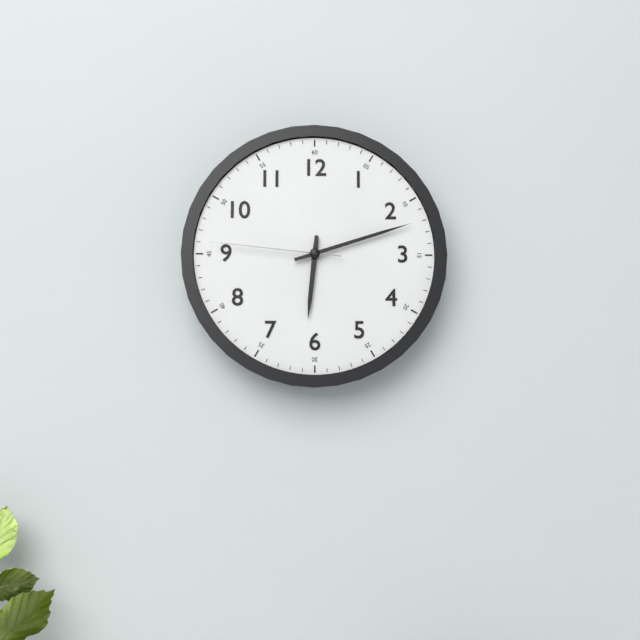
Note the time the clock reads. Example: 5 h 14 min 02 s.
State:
6 h 12 min 46 s
